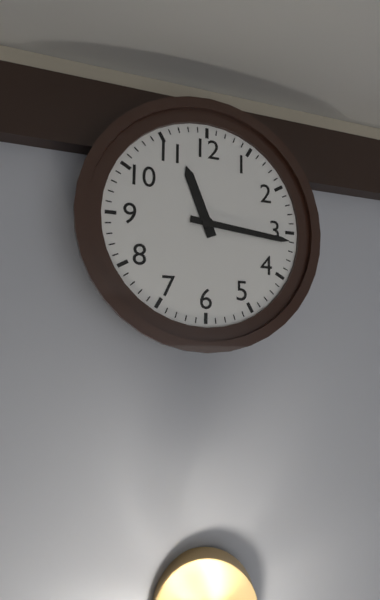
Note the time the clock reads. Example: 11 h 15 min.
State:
11 h 16 min
